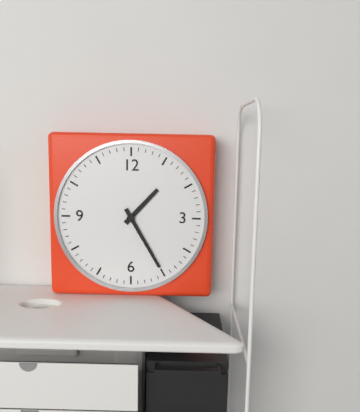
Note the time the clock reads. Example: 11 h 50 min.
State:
1 h 25 min
